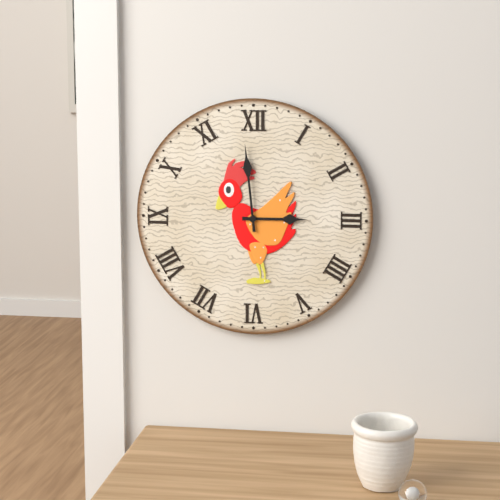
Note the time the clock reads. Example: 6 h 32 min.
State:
2 h 59 min
